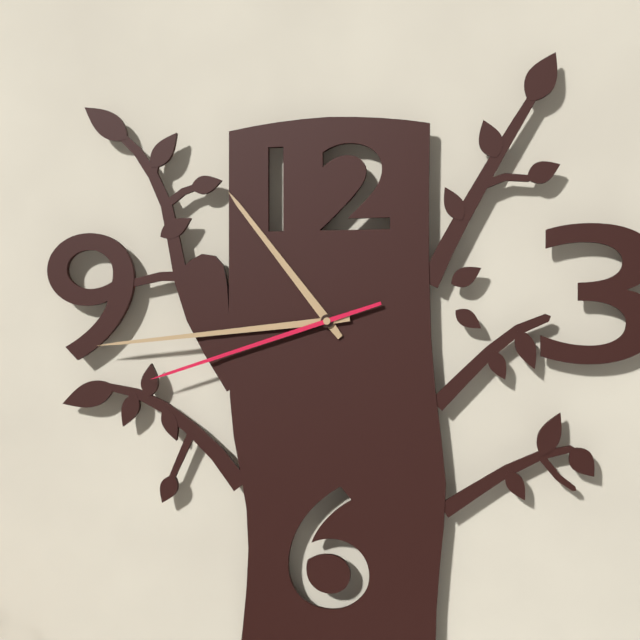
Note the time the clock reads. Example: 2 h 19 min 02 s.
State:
10 h 44 min 42 s
